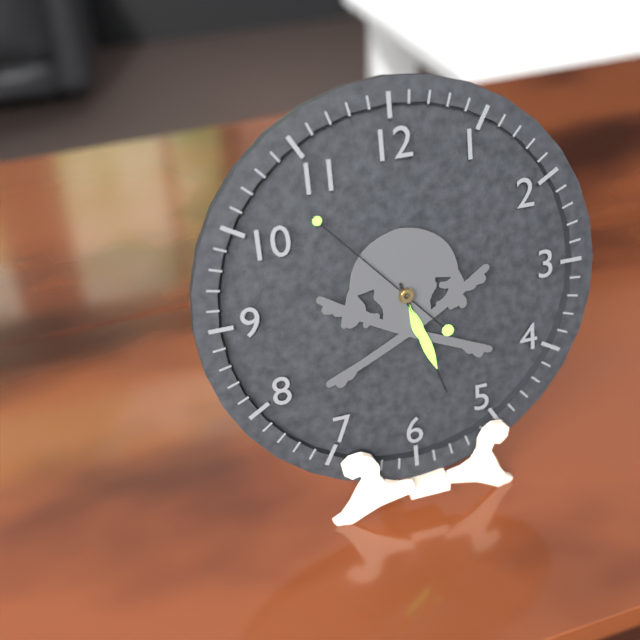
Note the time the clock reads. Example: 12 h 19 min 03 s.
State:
5 h 27 min 53 s
